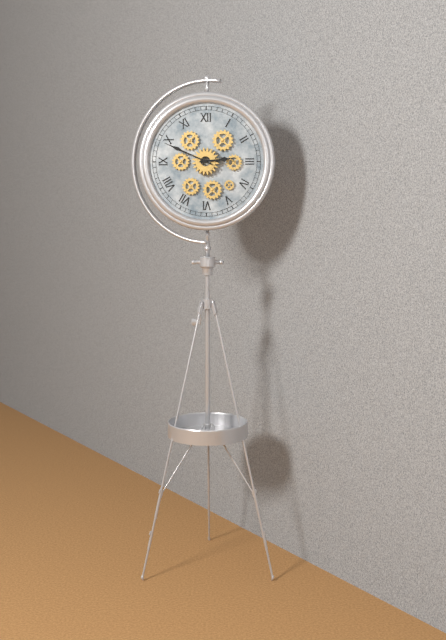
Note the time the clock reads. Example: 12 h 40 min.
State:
2 h 49 min
